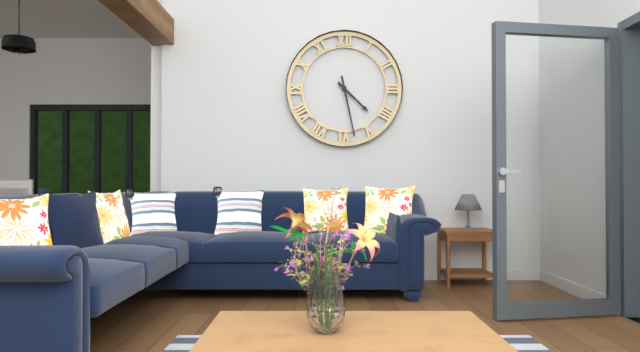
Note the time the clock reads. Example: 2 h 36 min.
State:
4 h 28 min
